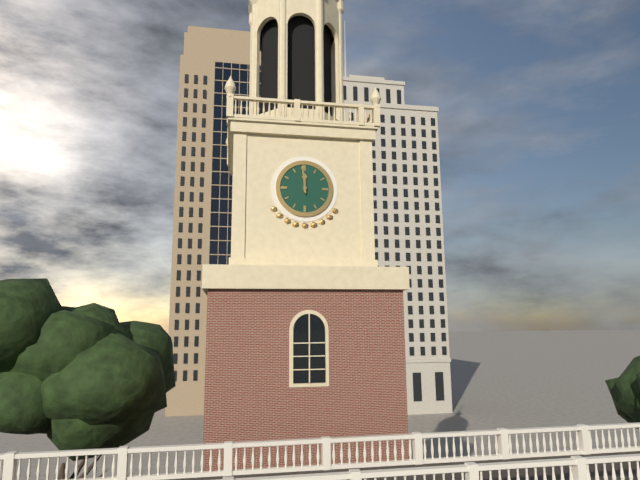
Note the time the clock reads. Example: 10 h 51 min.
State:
11 h 59 min
